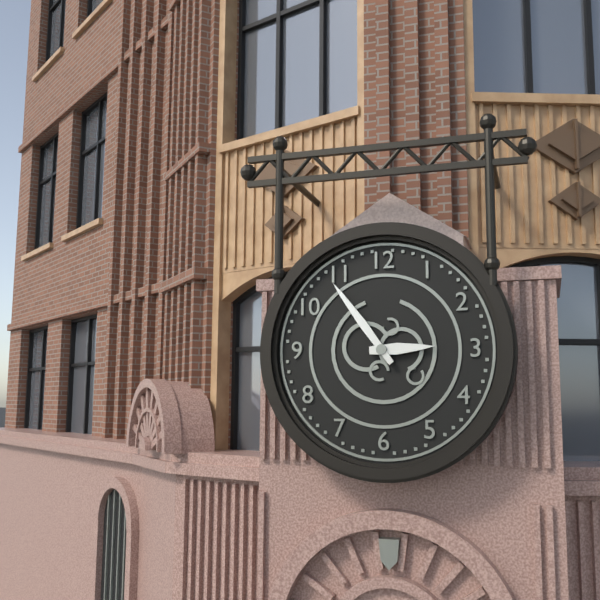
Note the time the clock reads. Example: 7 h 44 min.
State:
2 h 54 min
